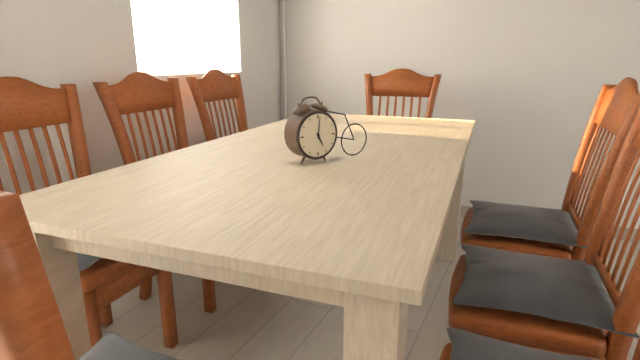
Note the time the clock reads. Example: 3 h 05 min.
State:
5 h 01 min
